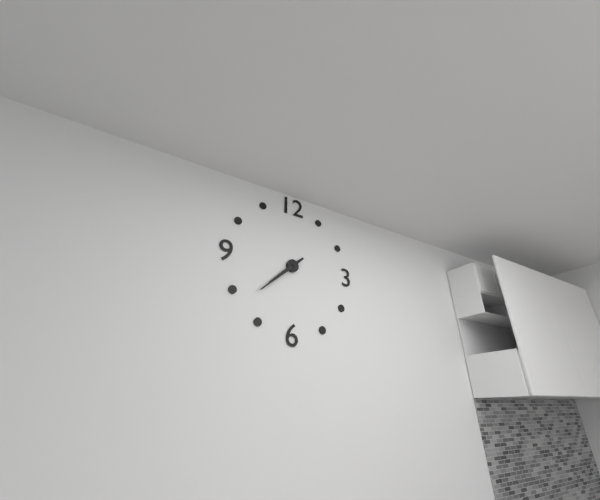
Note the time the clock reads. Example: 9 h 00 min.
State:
7 h 38 min
